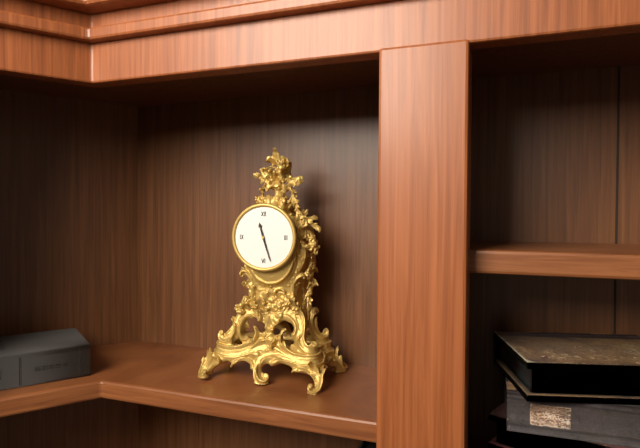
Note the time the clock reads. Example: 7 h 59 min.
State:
11 h 27 min
